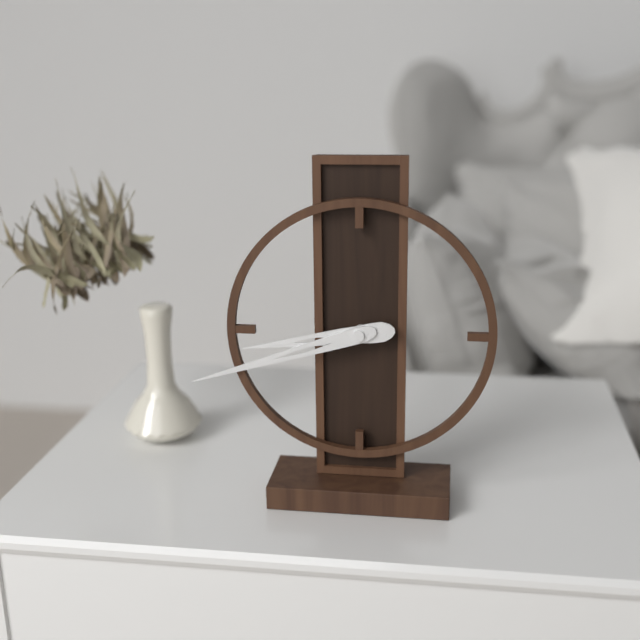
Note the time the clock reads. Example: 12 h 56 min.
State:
8 h 42 min
